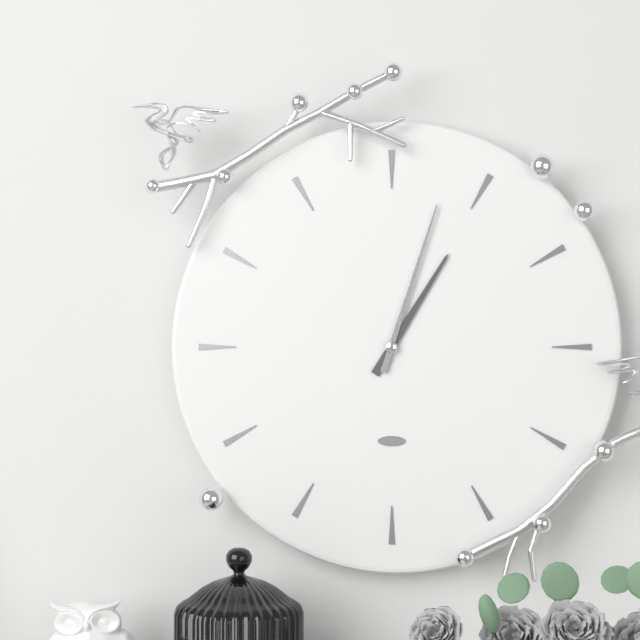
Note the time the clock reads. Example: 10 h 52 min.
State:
1 h 03 min
